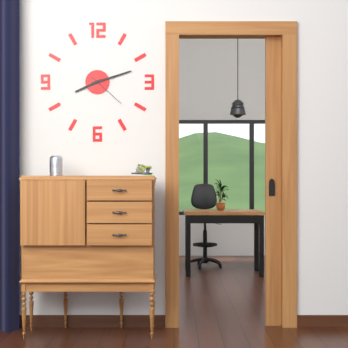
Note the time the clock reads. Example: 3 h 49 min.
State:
8 h 12 min
